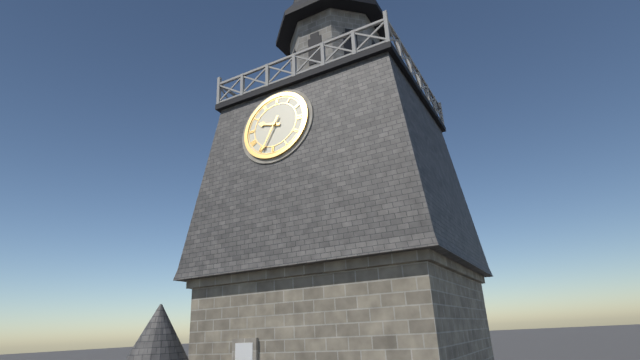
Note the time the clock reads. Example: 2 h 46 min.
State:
9 h 34 min
